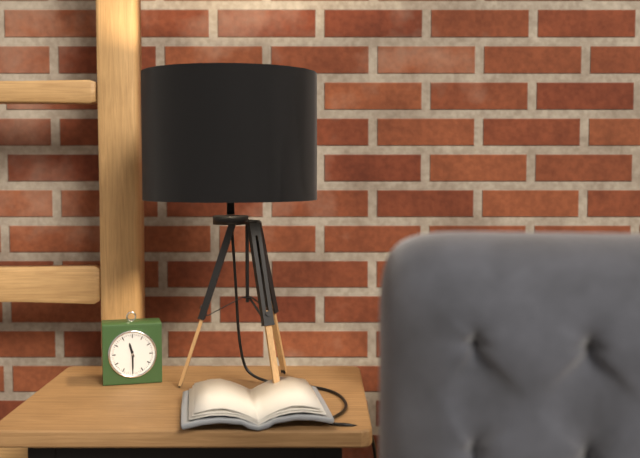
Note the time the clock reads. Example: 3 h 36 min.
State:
11 h 30 min
